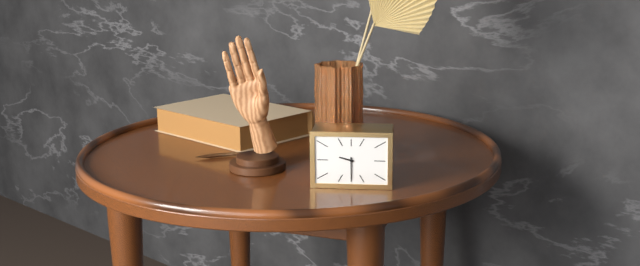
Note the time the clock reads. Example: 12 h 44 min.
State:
9 h 30 min
